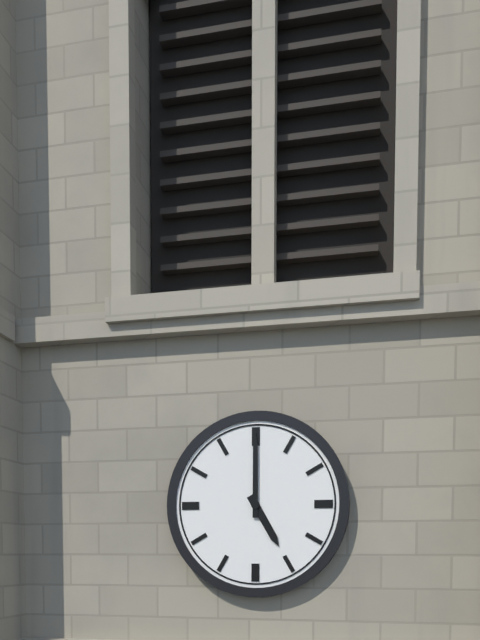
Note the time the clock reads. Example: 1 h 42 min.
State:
5 h 00 min
